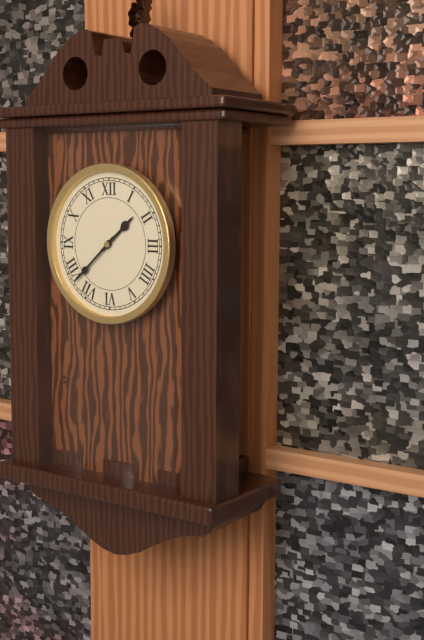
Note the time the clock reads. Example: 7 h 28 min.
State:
1 h 38 min
